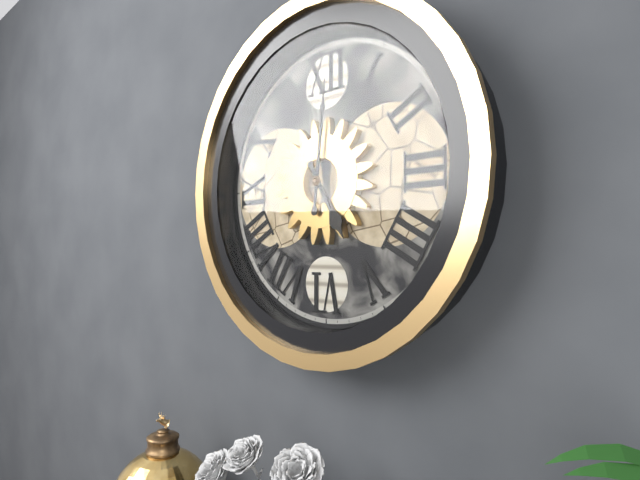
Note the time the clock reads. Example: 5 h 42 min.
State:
5 h 01 min
